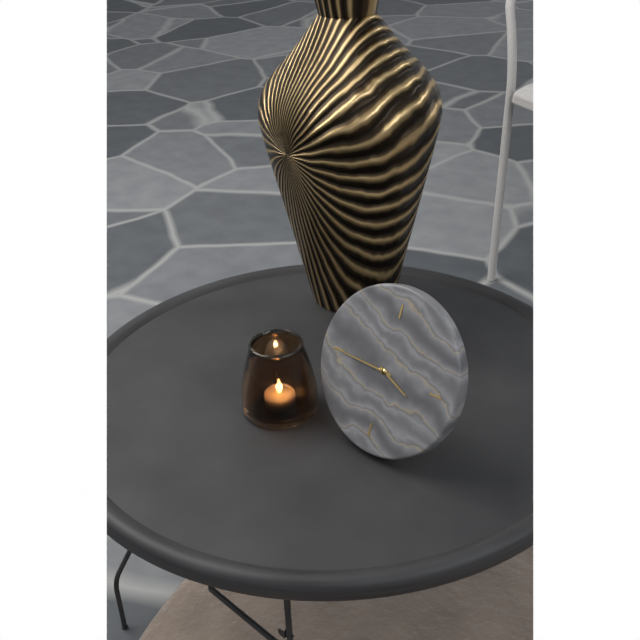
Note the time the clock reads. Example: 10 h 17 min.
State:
3 h 45 min
